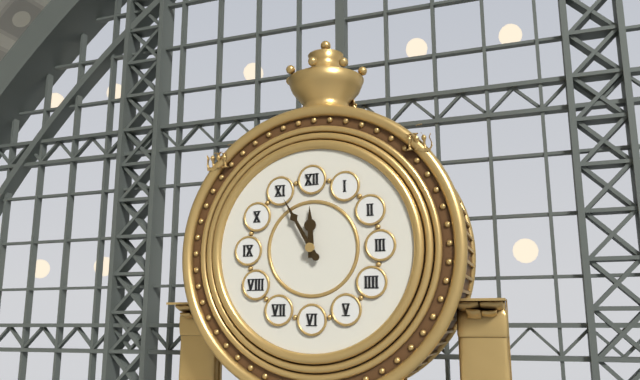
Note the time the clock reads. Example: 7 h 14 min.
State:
11 h 55 min
